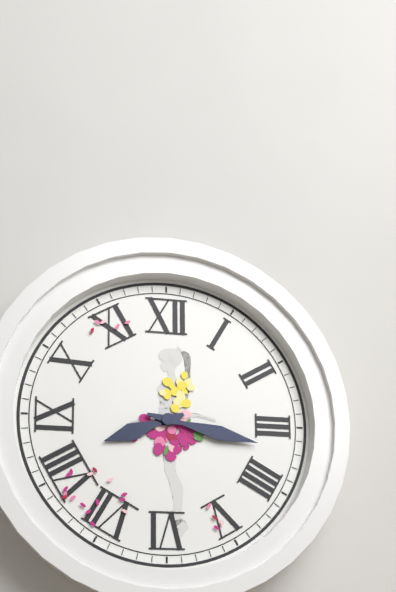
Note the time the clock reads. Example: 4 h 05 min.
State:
8 h 17 min
